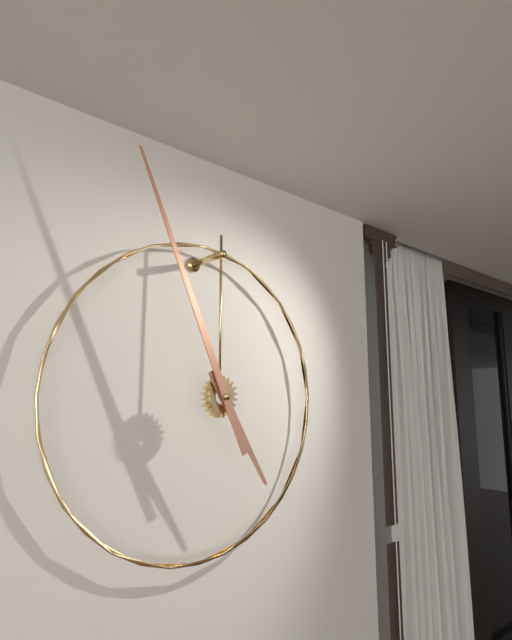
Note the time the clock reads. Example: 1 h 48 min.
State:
4 h 56 min
